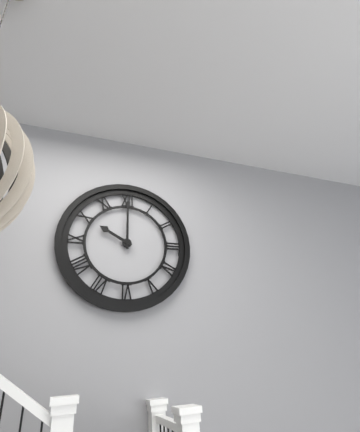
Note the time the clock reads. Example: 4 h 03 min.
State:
10 h 00 min
